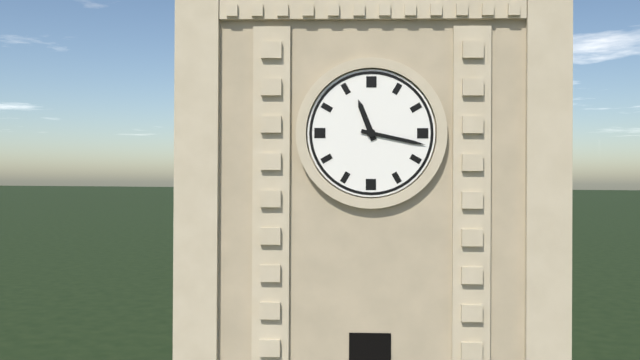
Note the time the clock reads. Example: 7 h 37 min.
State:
11 h 17 min
